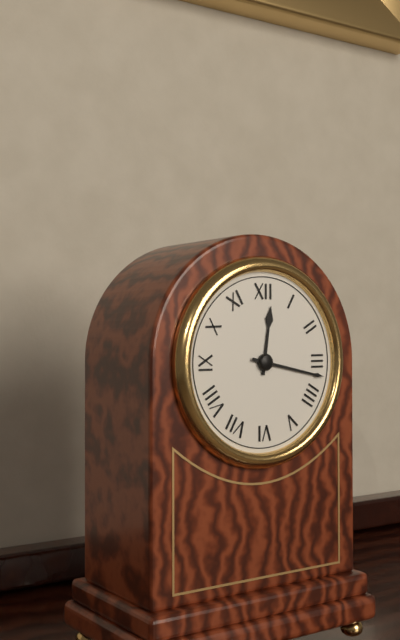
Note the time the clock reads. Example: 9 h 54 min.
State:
12 h 17 min
